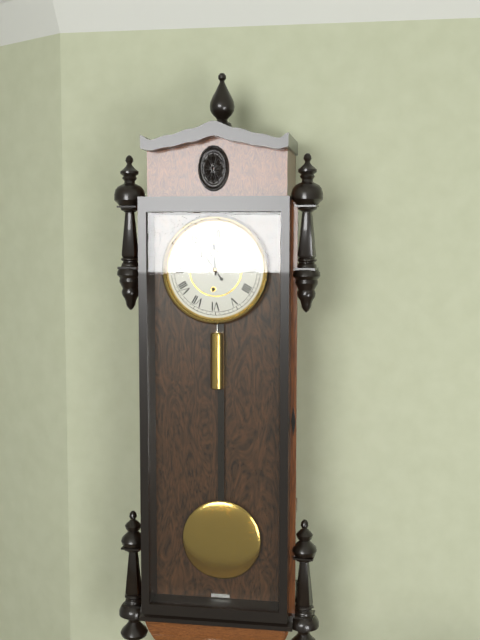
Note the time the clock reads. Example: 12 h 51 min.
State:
11 h 54 min
